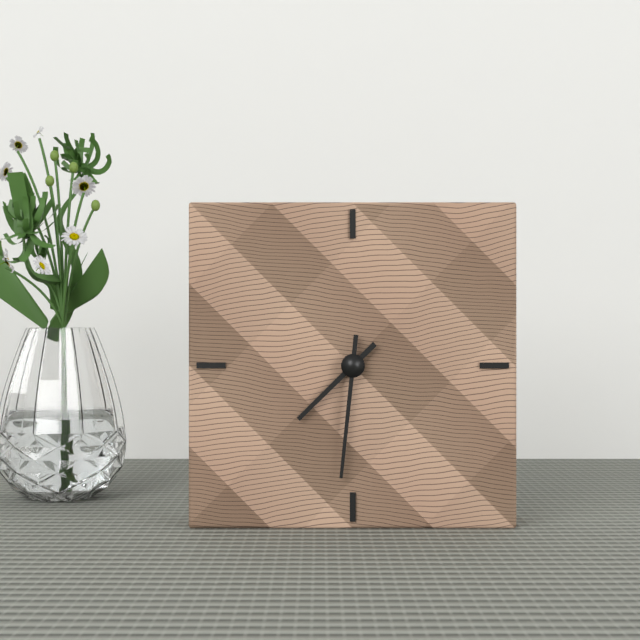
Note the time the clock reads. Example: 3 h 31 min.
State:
7 h 31 min
